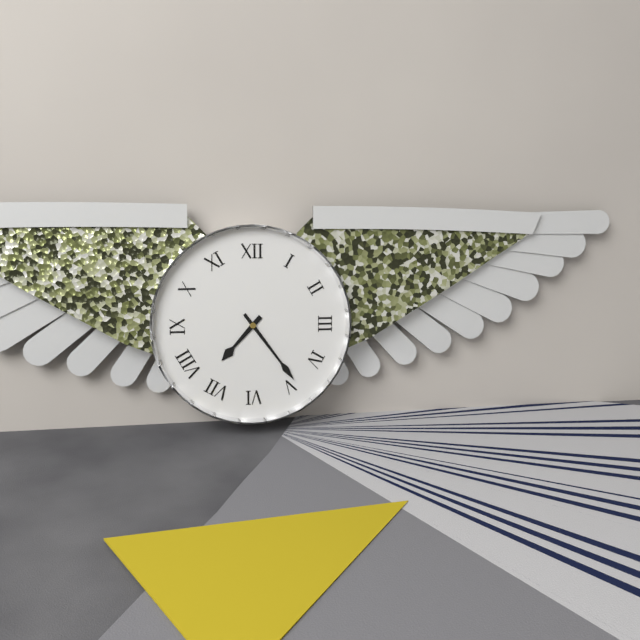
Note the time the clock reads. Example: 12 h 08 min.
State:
7 h 24 min
